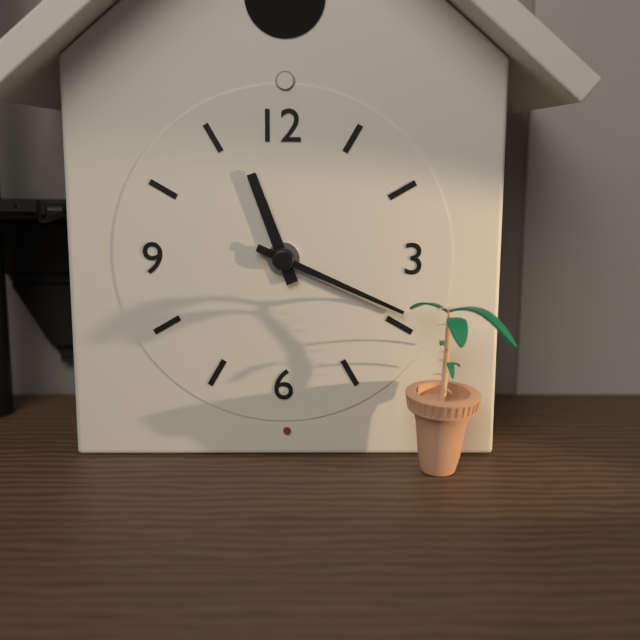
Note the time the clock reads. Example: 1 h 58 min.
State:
11 h 19 min
